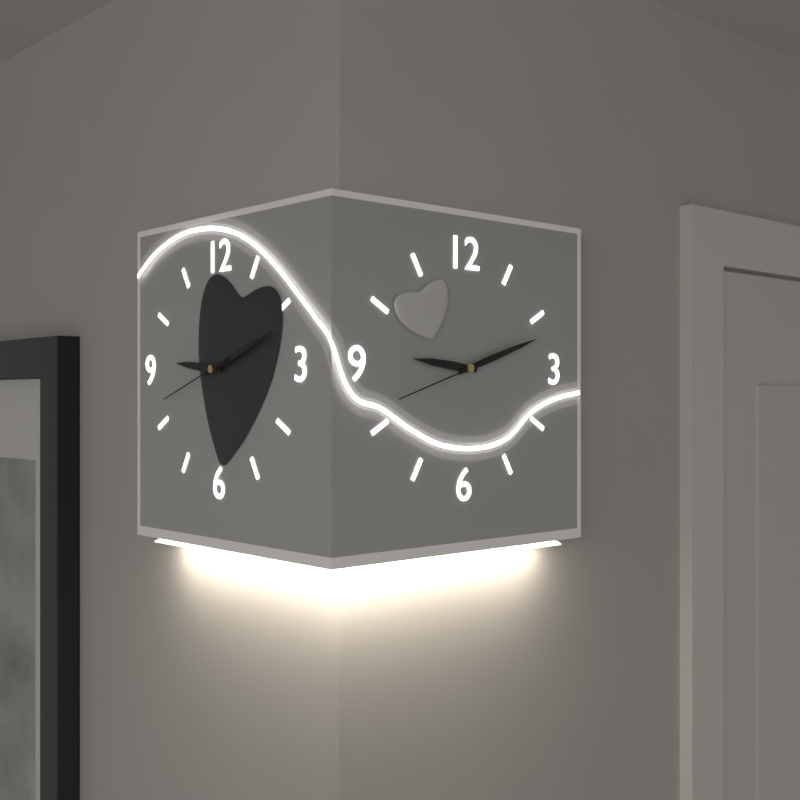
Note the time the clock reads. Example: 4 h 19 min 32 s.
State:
9 h 12 min 42 s
